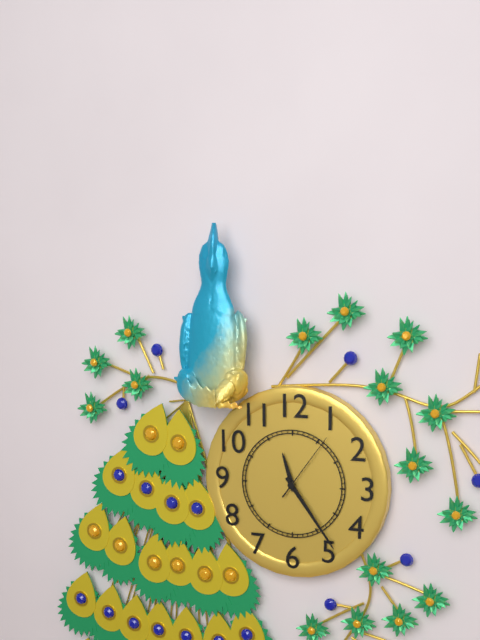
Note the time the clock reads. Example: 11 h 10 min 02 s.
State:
11 h 24 min 06 s
